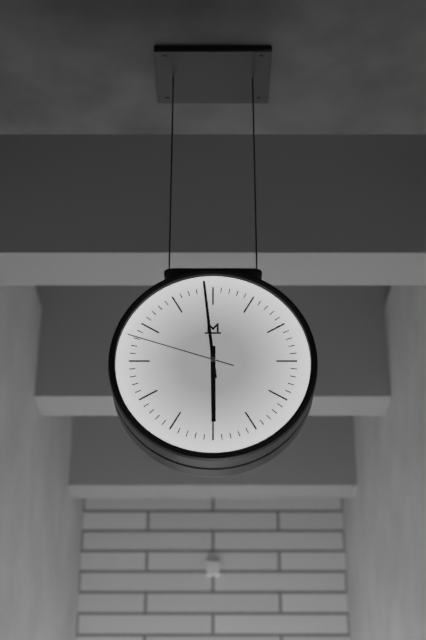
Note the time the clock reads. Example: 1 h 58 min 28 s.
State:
5 h 59 min 48 s
